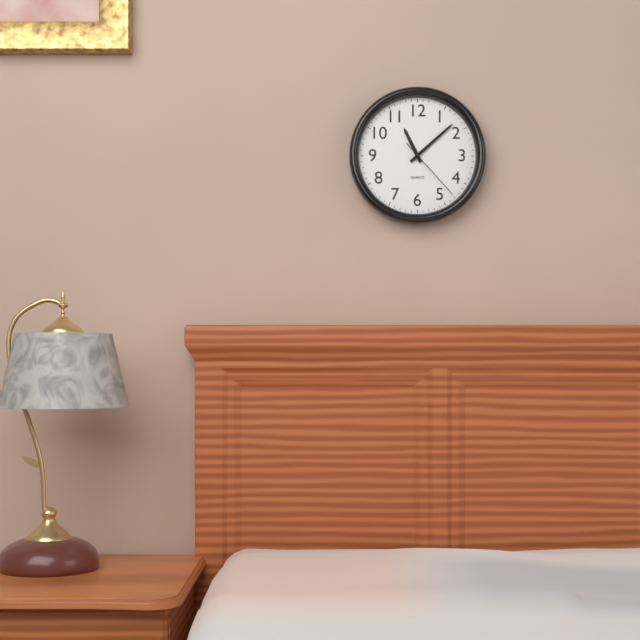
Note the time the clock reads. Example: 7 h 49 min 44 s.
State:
11 h 08 min 23 s
